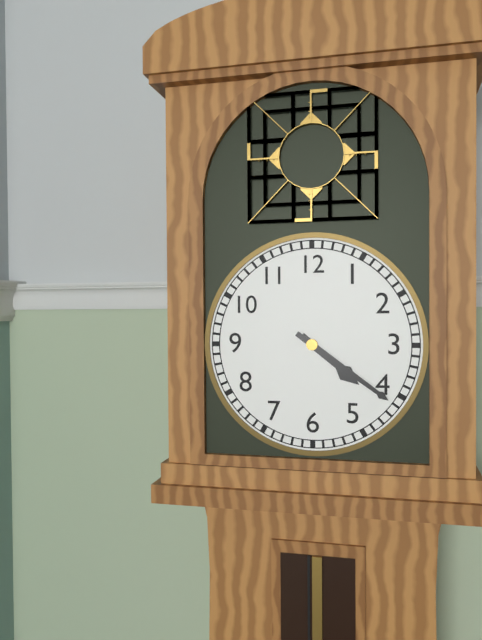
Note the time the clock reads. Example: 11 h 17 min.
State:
4 h 21 min
